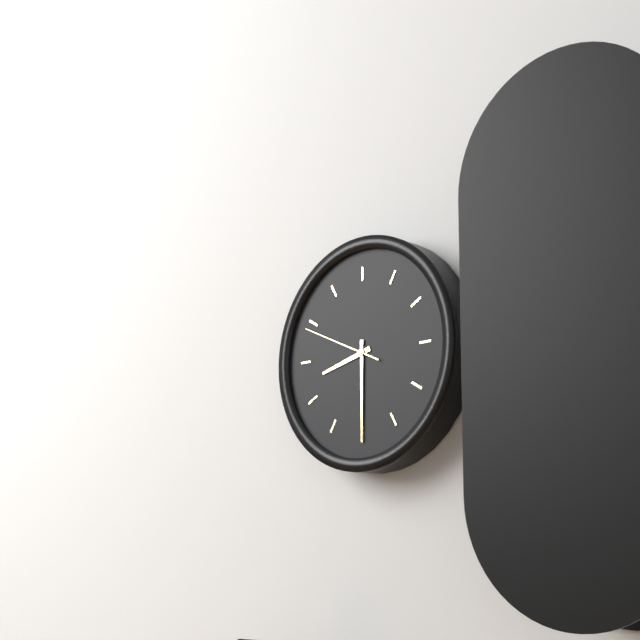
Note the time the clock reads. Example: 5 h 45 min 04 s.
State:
8 h 30 min 49 s
